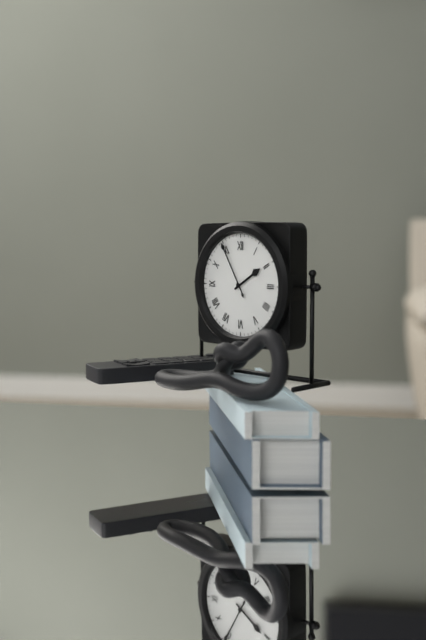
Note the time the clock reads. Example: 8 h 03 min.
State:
1 h 55 min
